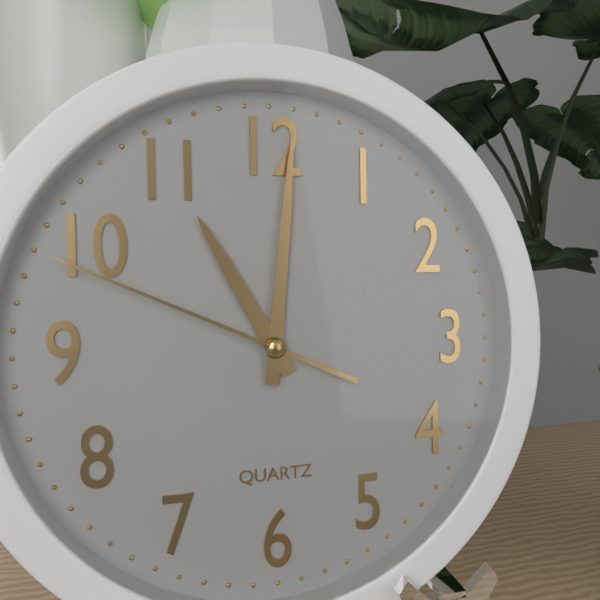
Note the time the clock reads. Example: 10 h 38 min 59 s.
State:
11 h 01 min 49 s
